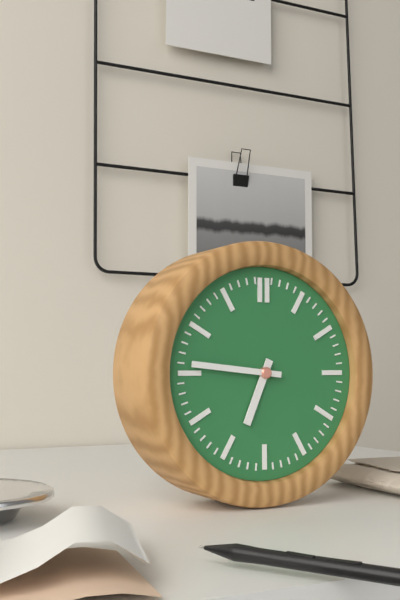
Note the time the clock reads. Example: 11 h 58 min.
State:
6 h 46 min
